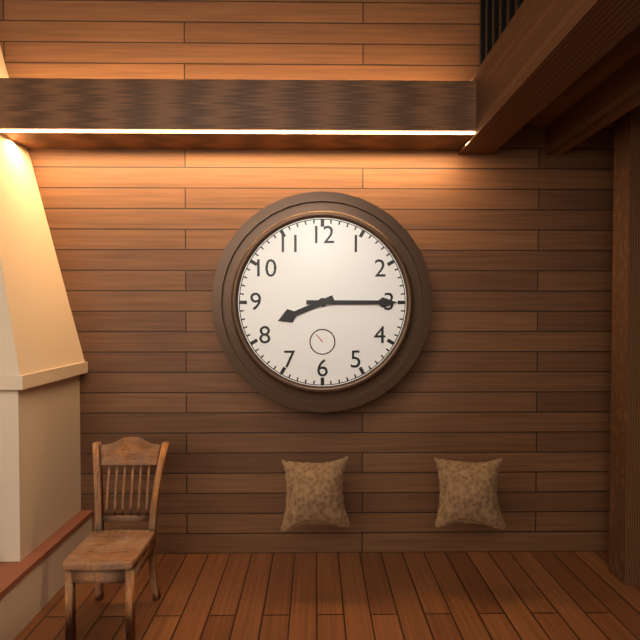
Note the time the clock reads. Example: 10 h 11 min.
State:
8 h 15 min
